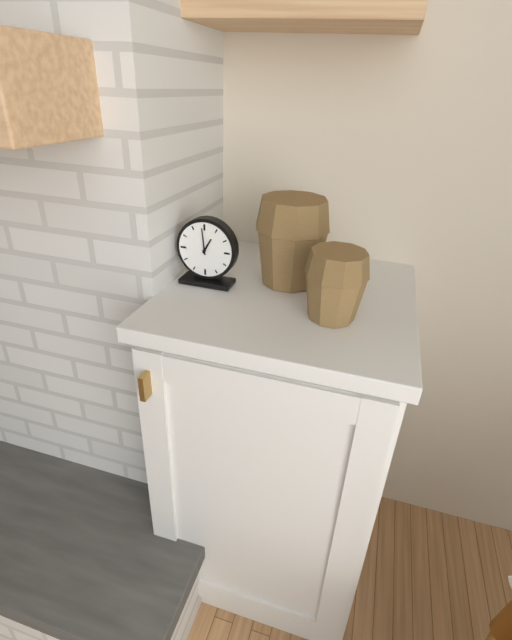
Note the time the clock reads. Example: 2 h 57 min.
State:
12 h 59 min
